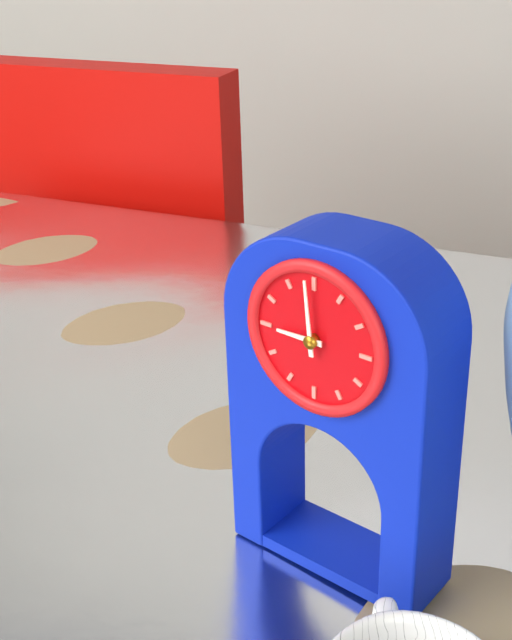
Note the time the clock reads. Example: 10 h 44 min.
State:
8 h 59 min
